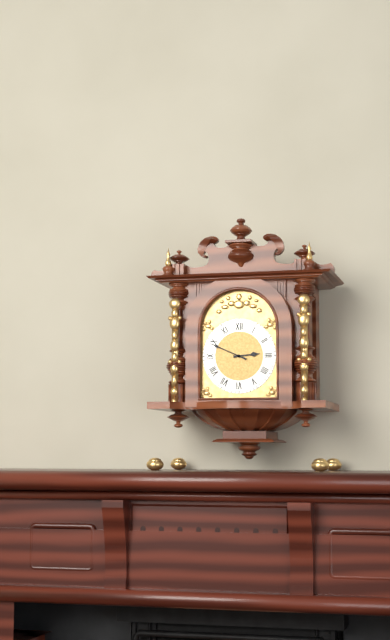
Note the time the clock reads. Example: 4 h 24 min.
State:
2 h 49 min
